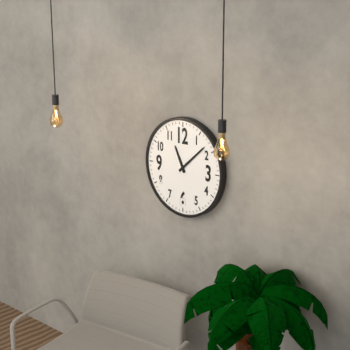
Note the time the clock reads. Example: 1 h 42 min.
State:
11 h 08 min
